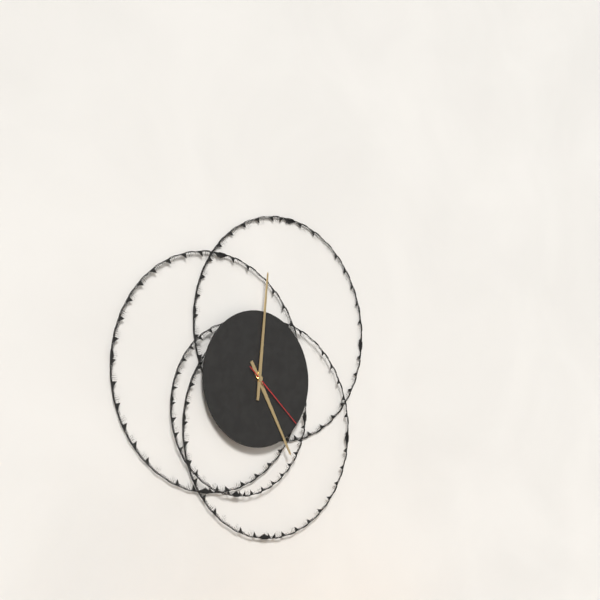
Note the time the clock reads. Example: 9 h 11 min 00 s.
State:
5 h 01 min 22 s
